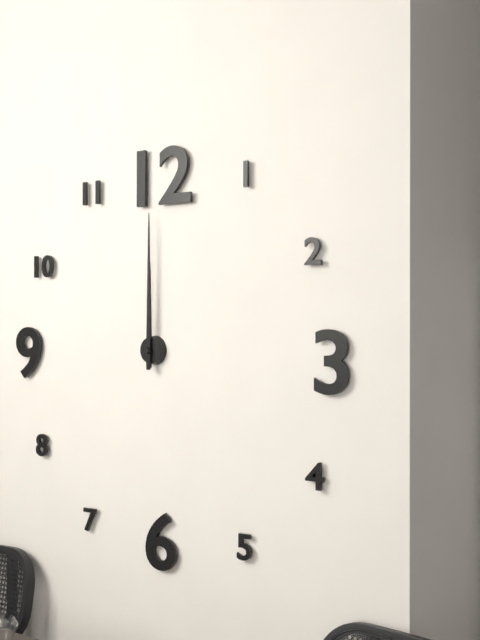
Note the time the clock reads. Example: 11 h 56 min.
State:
12 h 00 min
